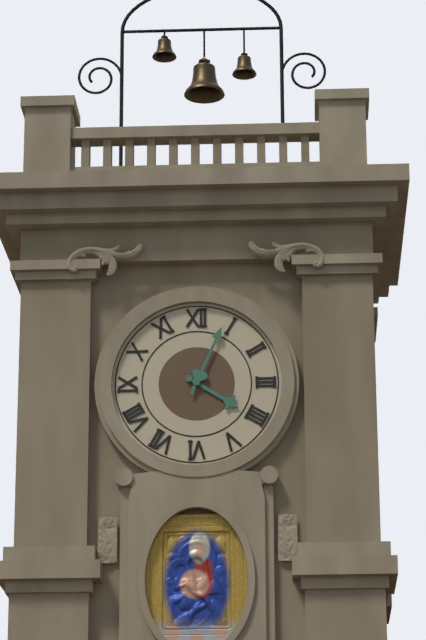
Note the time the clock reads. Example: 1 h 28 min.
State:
4 h 04 min
